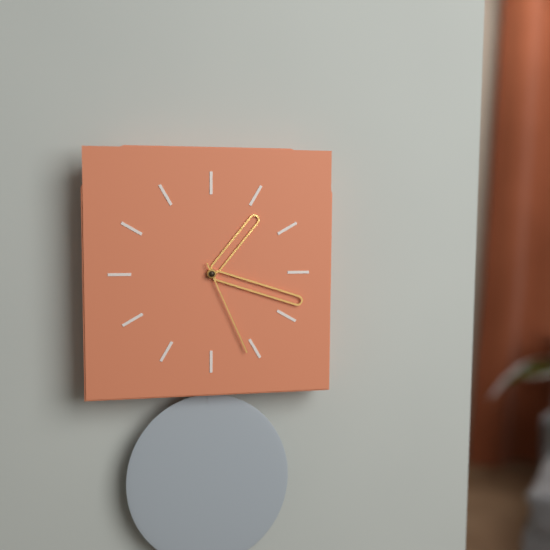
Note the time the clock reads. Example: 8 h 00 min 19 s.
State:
1 h 18 min 26 s
